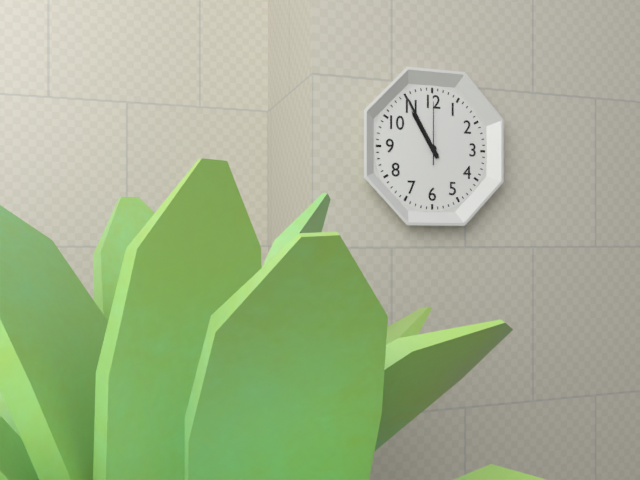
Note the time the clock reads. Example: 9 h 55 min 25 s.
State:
10 h 55 min 00 s
